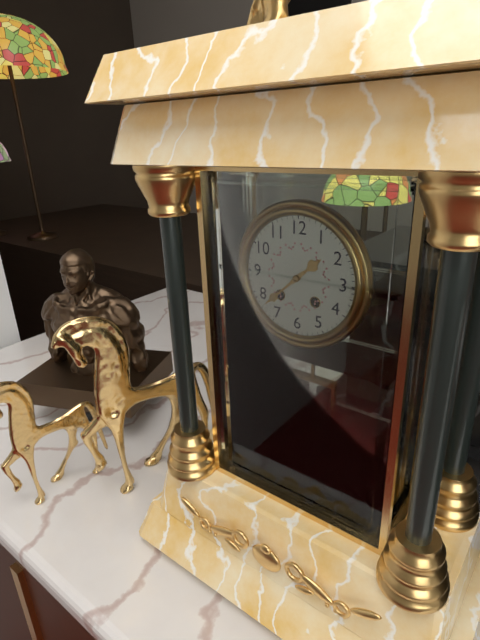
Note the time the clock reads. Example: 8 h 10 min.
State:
1 h 38 min
